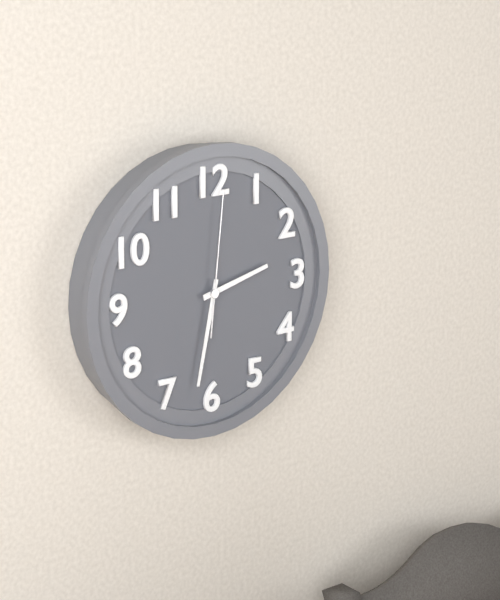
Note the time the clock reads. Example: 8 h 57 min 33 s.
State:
2 h 32 min 01 s
